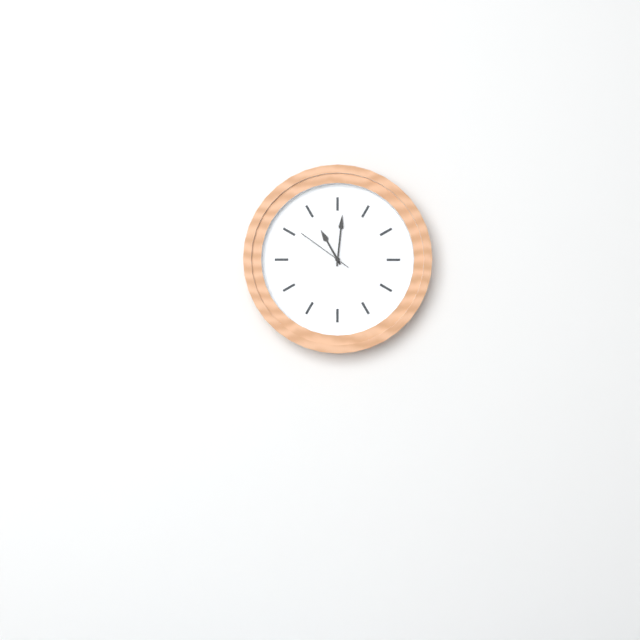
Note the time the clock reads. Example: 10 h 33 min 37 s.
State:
11 h 01 min 51 s
